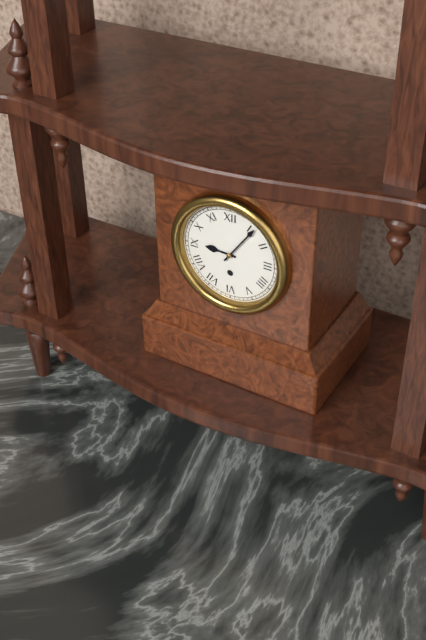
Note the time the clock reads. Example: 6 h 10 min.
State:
9 h 06 min
